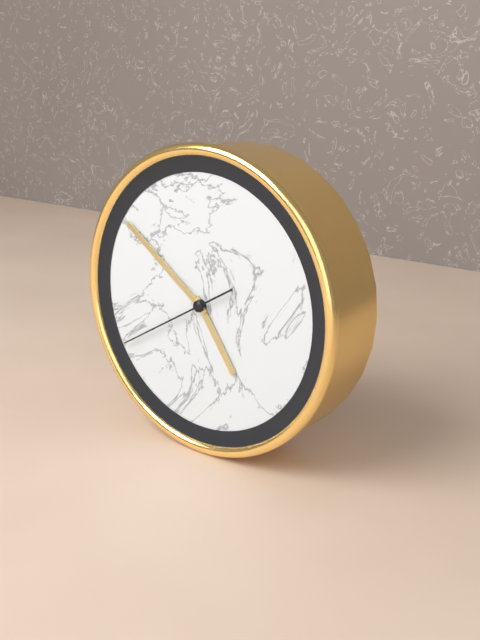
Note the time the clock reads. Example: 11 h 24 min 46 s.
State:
4 h 51 min 40 s
